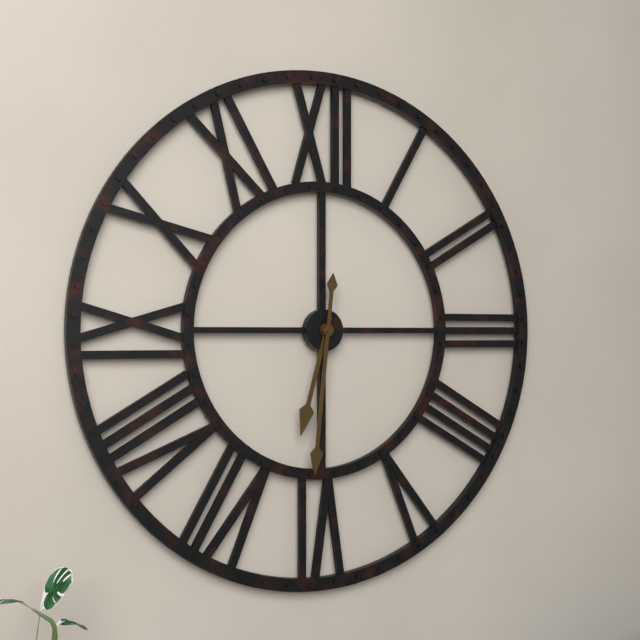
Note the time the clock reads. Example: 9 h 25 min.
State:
6 h 31 min
